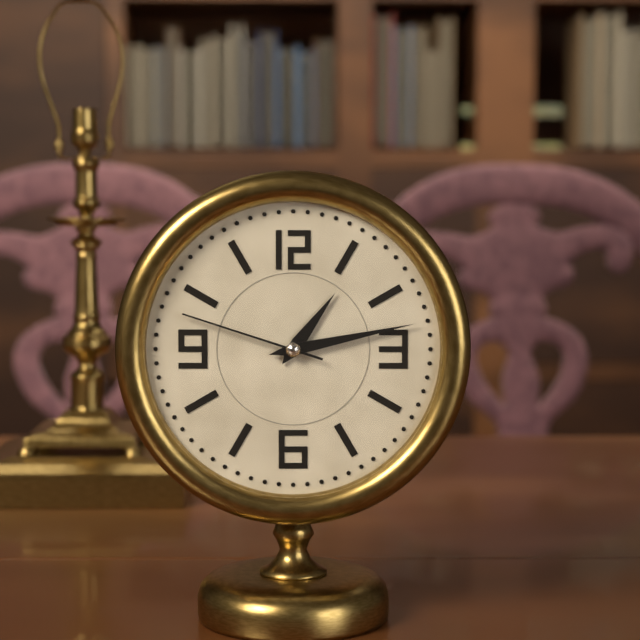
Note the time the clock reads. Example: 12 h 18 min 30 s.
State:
1 h 13 min 48 s
